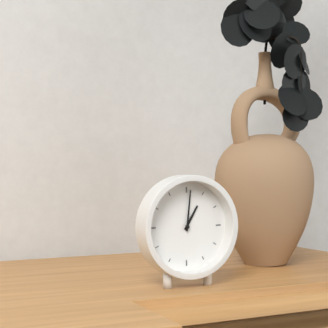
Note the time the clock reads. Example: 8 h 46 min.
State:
1 h 01 min
